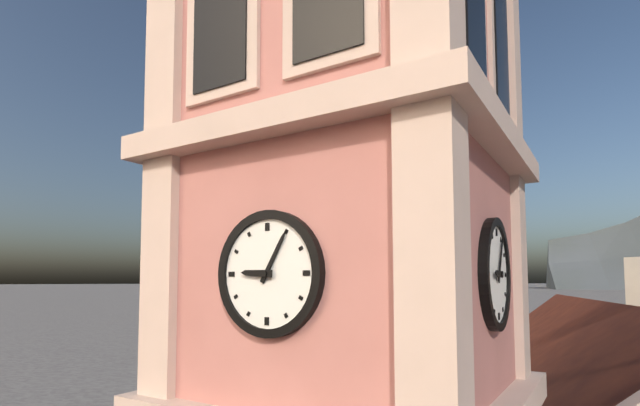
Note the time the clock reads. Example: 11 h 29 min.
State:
9 h 05 min
